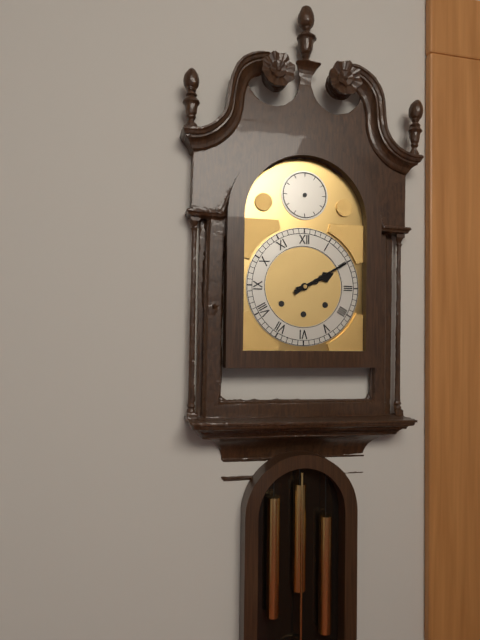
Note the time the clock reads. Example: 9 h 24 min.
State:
2 h 10 min
